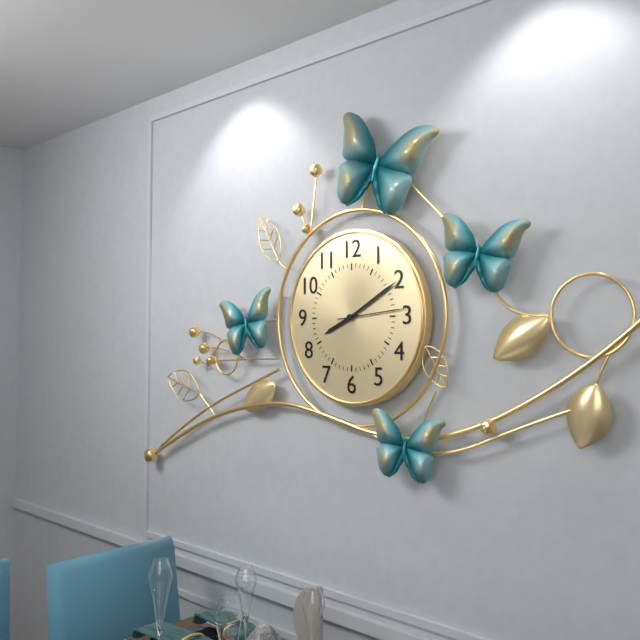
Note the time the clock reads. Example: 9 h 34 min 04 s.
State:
8 h 10 min 14 s
